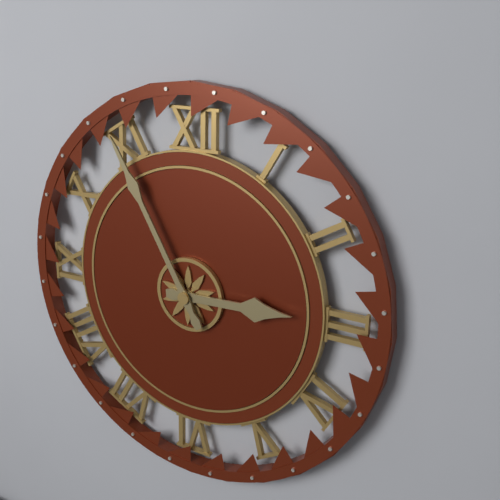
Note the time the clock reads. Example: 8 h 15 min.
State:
2 h 55 min
